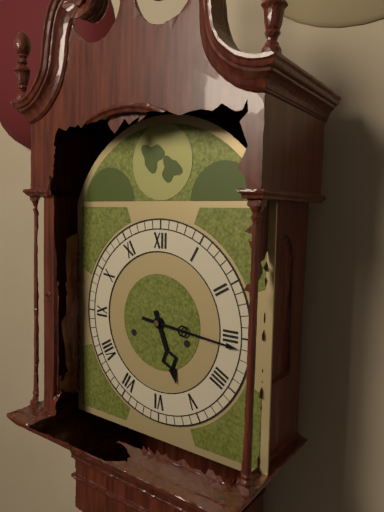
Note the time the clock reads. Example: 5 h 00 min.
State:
5 h 16 min
